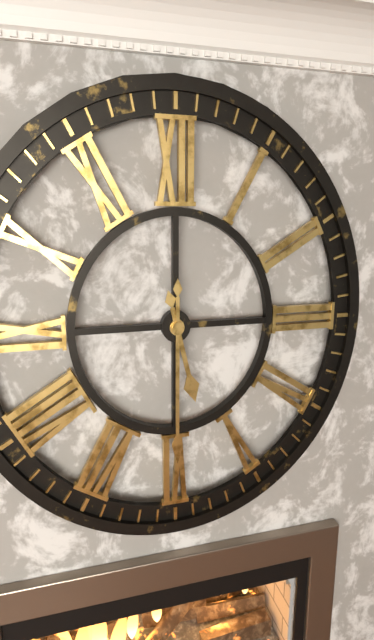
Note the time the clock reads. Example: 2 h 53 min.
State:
5 h 30 min
